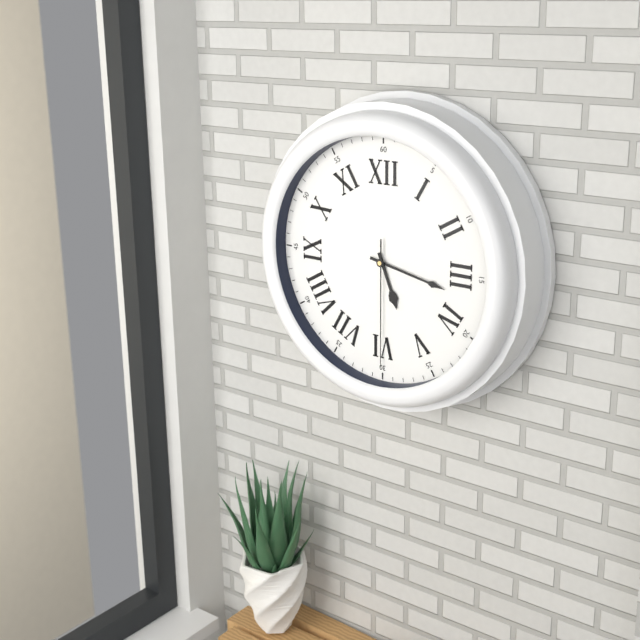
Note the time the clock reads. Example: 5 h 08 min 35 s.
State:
5 h 17 min 30 s
